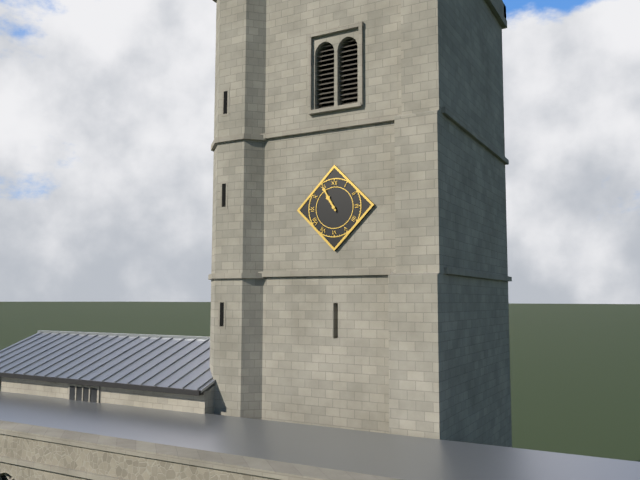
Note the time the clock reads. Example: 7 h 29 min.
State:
10 h 55 min
